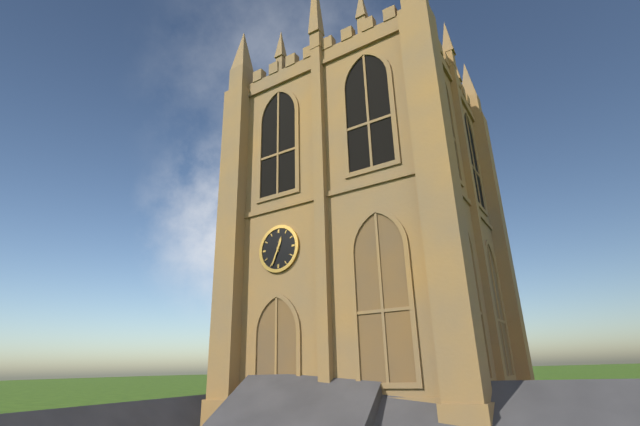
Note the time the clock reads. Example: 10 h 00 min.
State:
12 h 34 min
